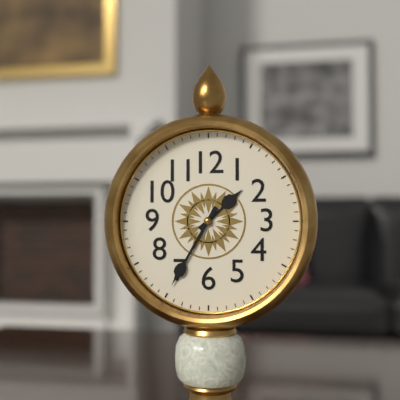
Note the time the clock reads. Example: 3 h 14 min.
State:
1 h 35 min
